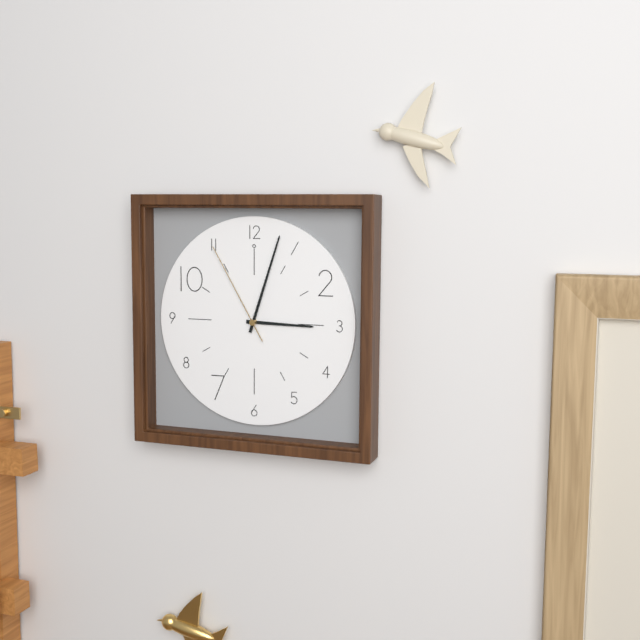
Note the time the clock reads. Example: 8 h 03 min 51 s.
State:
3 h 03 min 55 s
